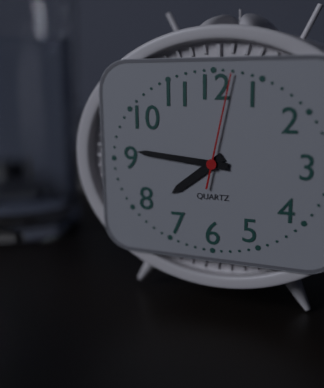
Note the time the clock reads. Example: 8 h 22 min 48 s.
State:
7 h 46 min 02 s
